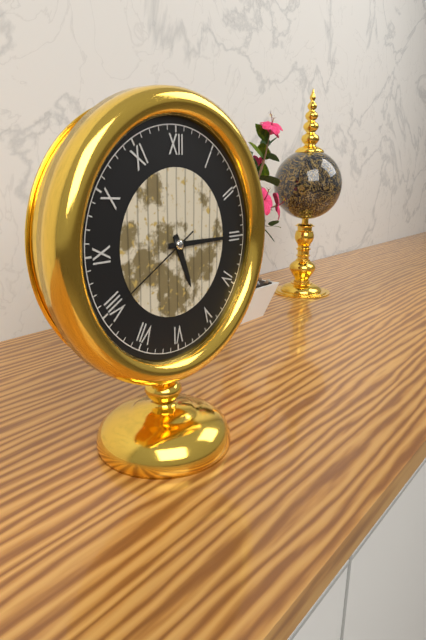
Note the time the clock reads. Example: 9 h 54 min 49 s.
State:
5 h 15 min 40 s
